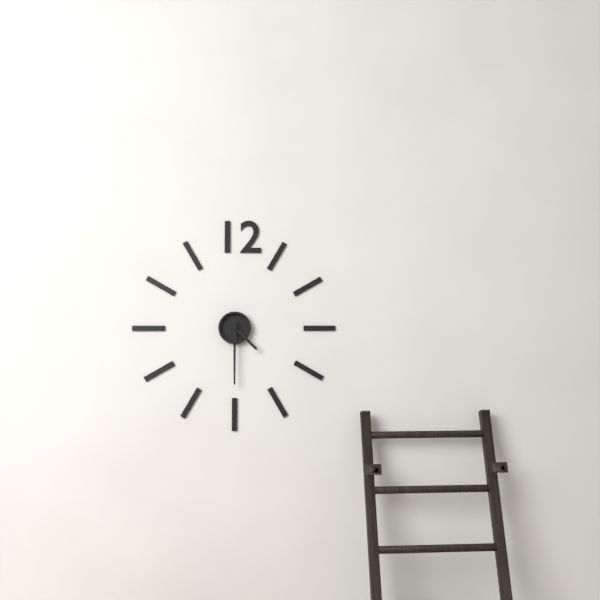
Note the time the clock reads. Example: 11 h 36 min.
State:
4 h 30 min
